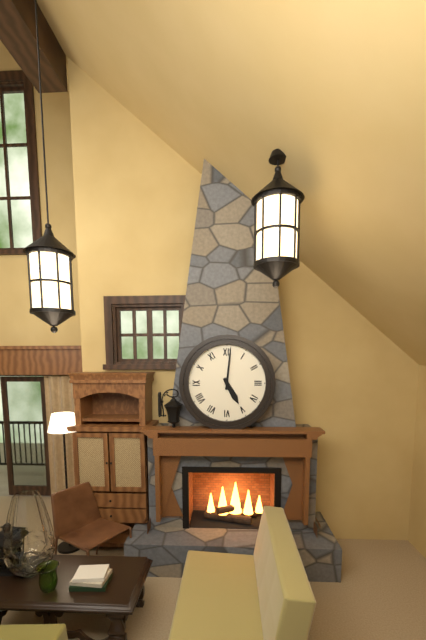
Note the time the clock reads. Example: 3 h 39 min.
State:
5 h 01 min
